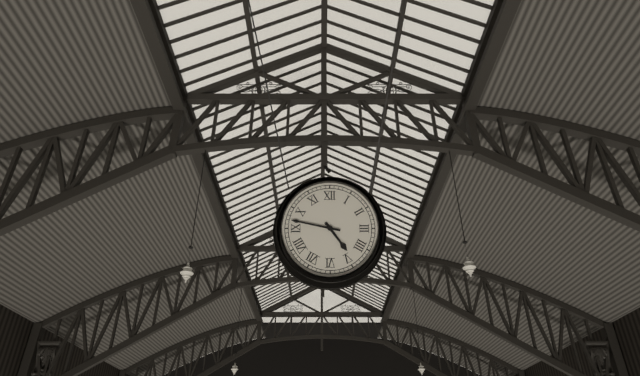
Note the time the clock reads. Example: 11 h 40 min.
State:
4 h 47 min
